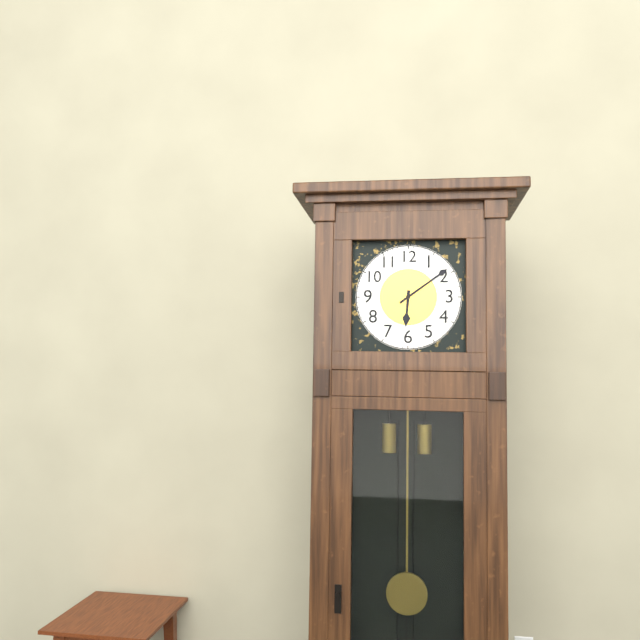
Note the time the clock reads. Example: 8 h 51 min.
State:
6 h 09 min
